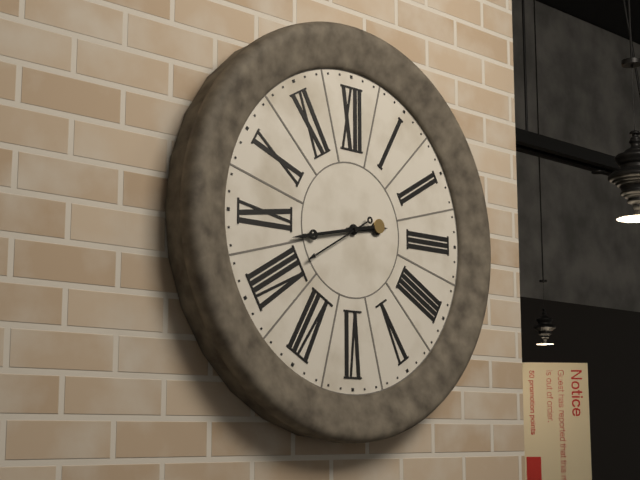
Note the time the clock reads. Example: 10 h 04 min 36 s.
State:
2 h 43 min 40 s
